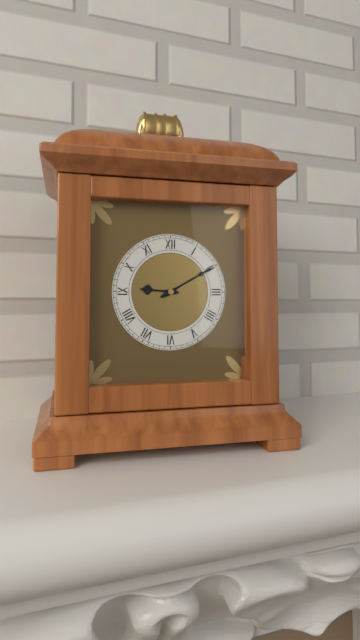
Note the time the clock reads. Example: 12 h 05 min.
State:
9 h 10 min
